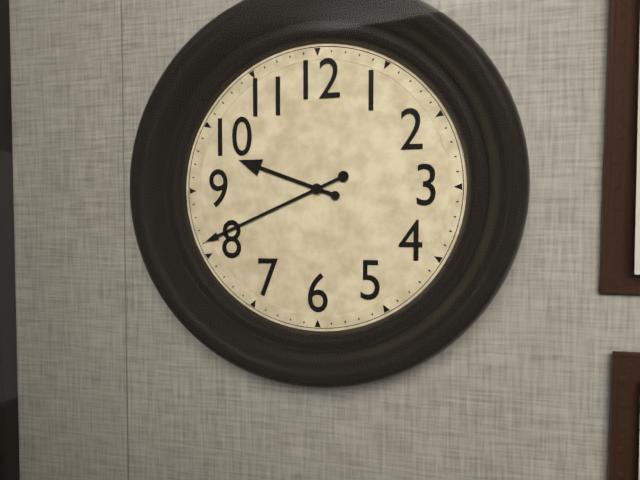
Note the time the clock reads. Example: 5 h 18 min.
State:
9 h 41 min
